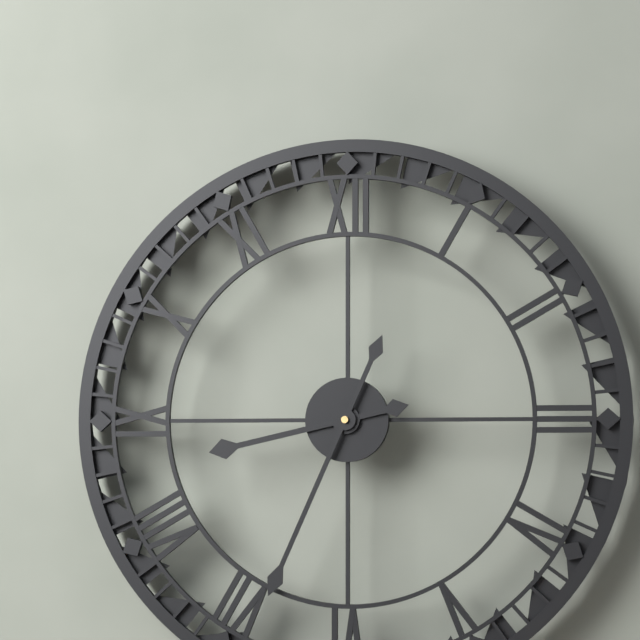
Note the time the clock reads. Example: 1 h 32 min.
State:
8 h 34 min
